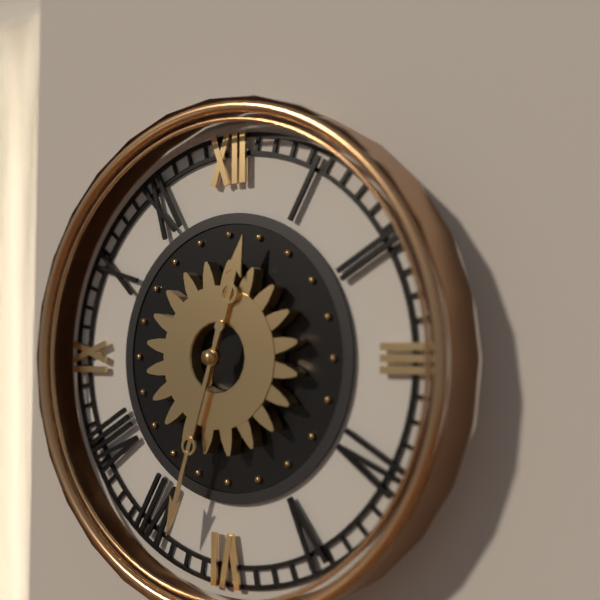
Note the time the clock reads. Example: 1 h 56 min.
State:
12 h 33 min
